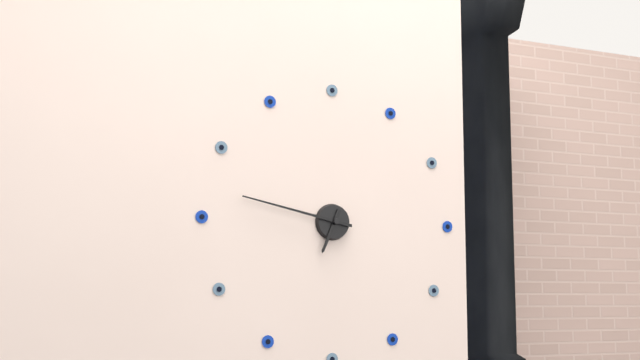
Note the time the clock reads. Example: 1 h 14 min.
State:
6 h 47 min
